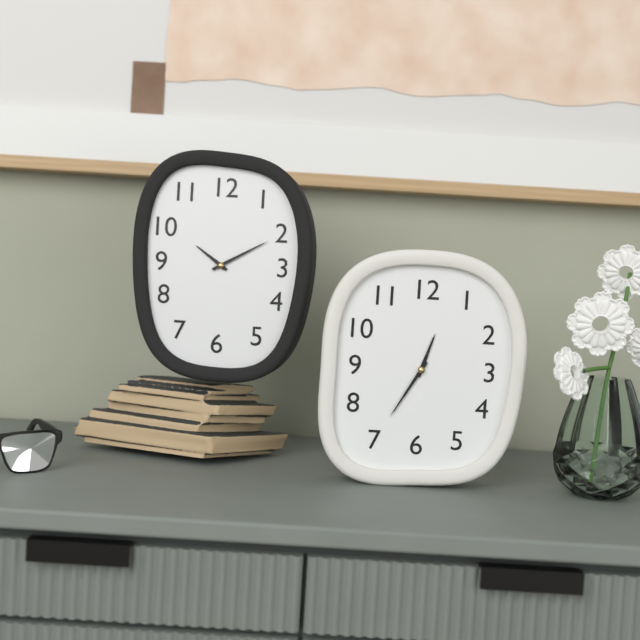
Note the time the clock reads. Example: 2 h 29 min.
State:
12 h 35 min
